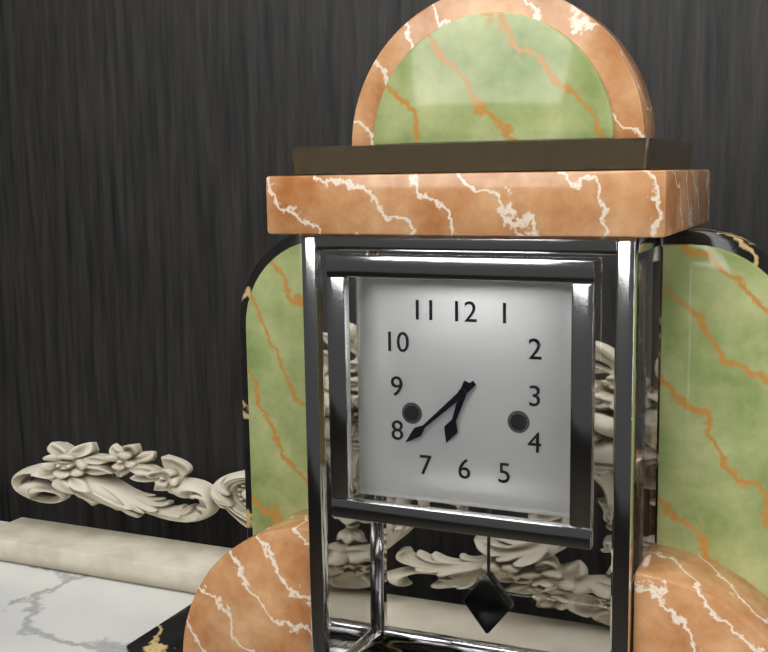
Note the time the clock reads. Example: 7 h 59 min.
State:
6 h 38 min
